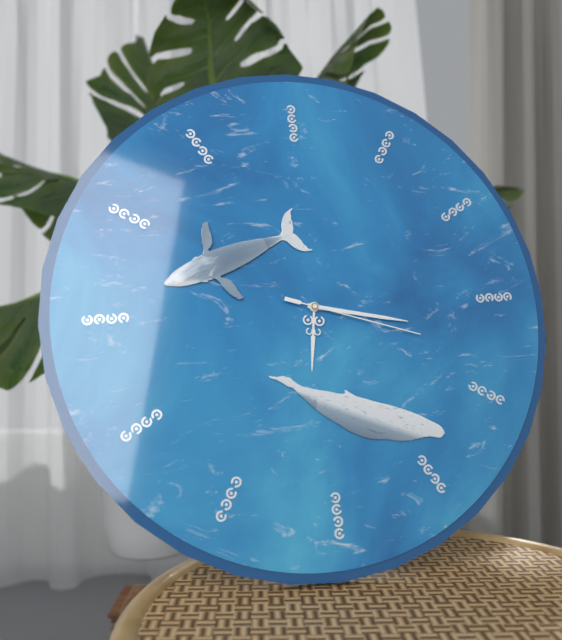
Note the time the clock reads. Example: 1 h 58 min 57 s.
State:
6 h 17 min 18 s
